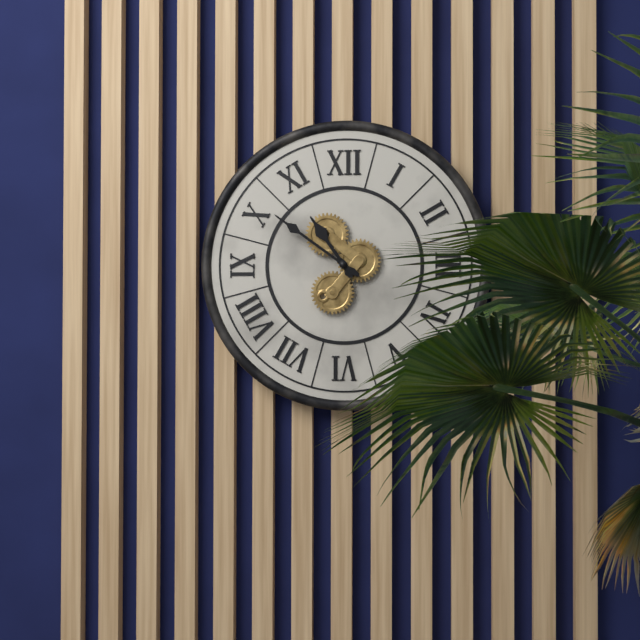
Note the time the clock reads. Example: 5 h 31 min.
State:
10 h 51 min
